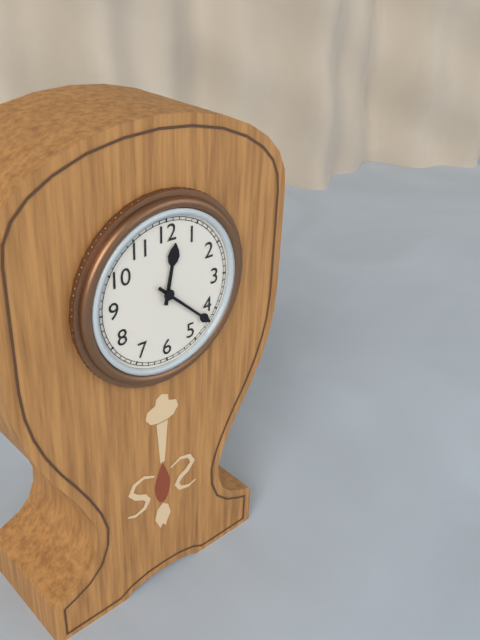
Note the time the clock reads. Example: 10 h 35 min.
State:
12 h 22 min
